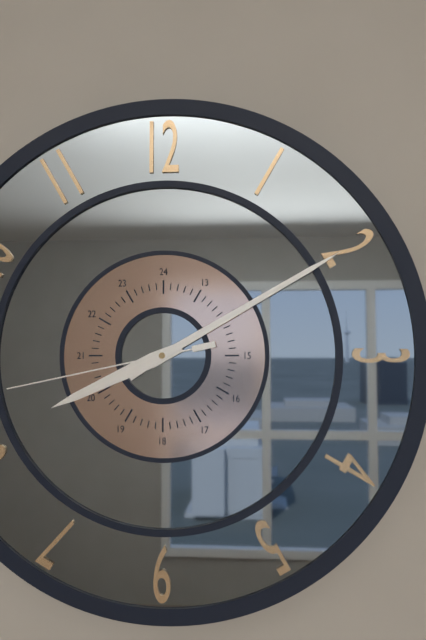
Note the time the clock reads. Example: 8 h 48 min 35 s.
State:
8 h 10 min 43 s
